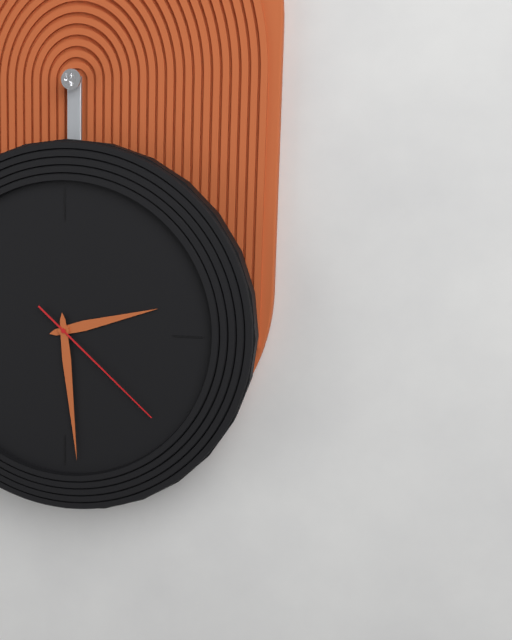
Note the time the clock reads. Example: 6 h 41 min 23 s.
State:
2 h 29 min 22 s
